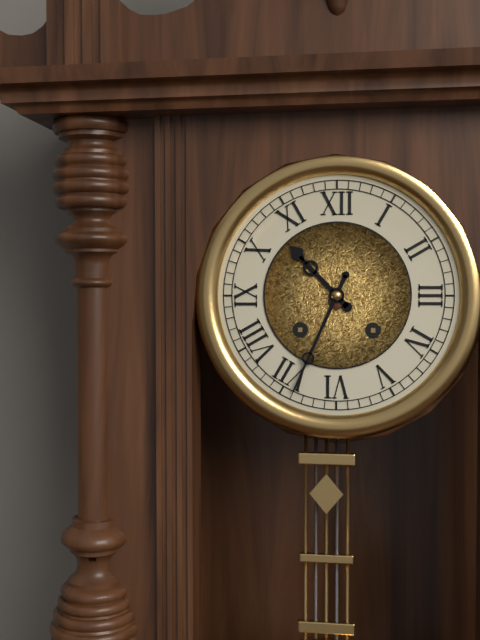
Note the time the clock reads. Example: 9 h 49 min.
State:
10 h 34 min
